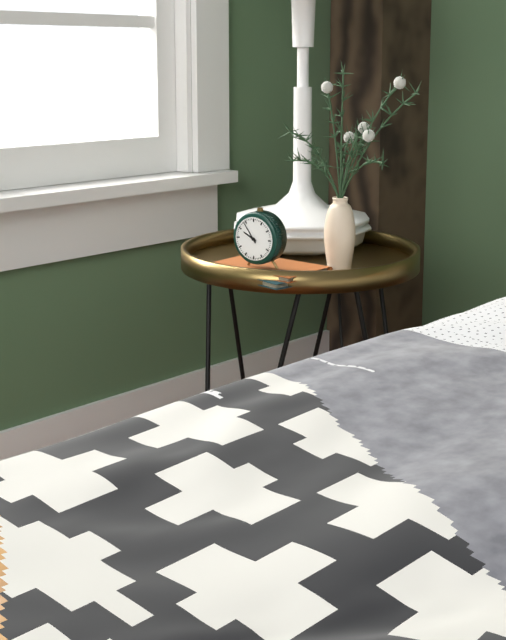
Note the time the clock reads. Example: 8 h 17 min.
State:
9 h 54 min
